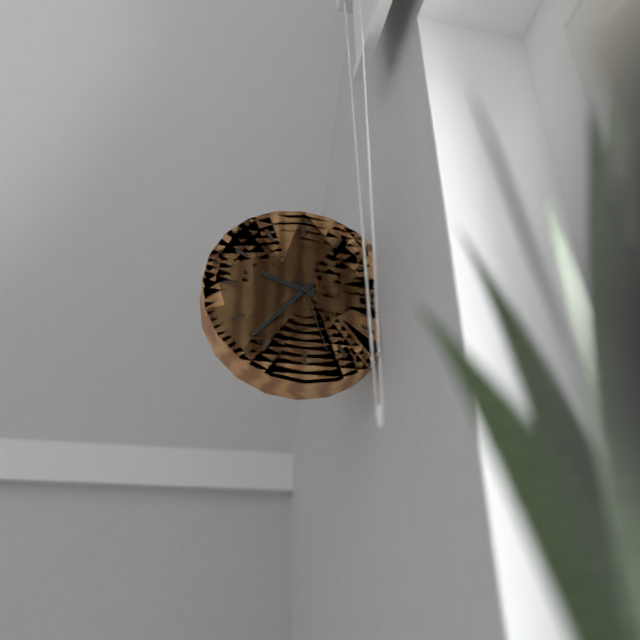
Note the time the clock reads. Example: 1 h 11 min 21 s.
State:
9 h 37 min 27 s
